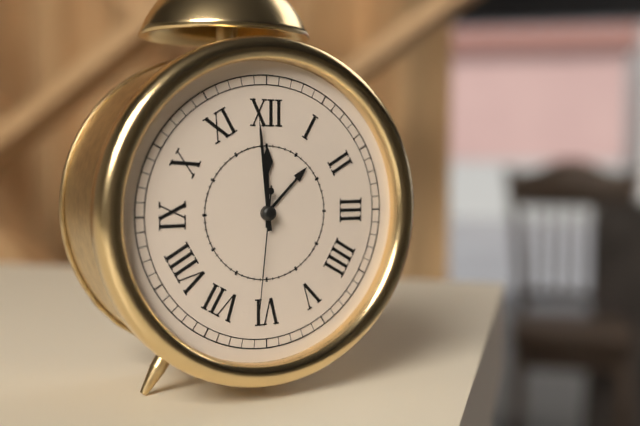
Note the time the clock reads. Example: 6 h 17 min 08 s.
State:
11 h 59 min 31 s
